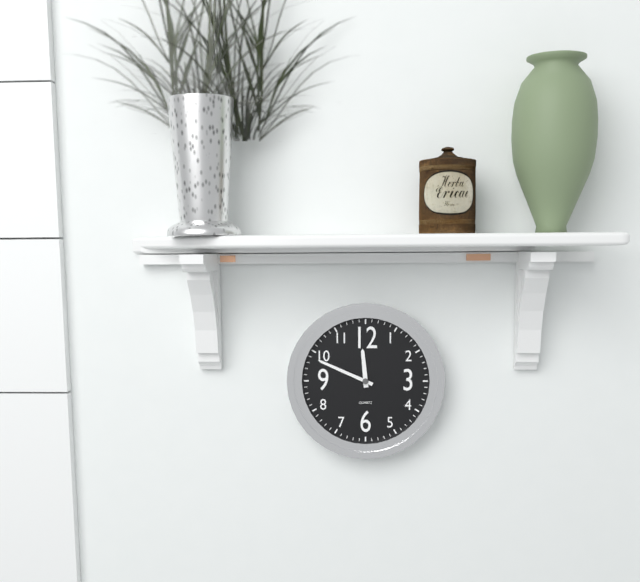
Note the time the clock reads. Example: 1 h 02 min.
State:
11 h 49 min
